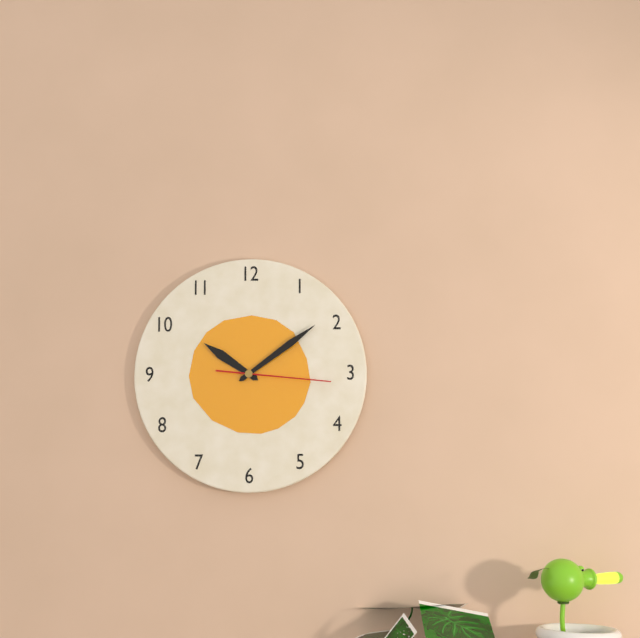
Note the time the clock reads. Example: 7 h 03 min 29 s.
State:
10 h 09 min 16 s
